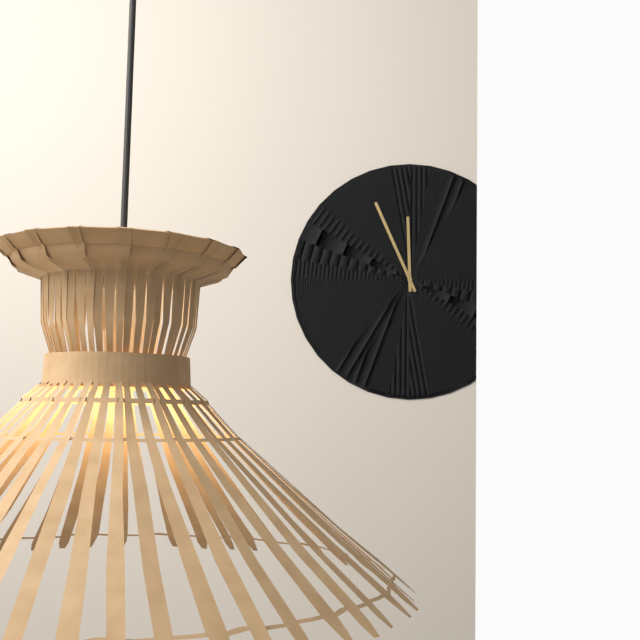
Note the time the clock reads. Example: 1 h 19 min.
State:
11 h 56 min
